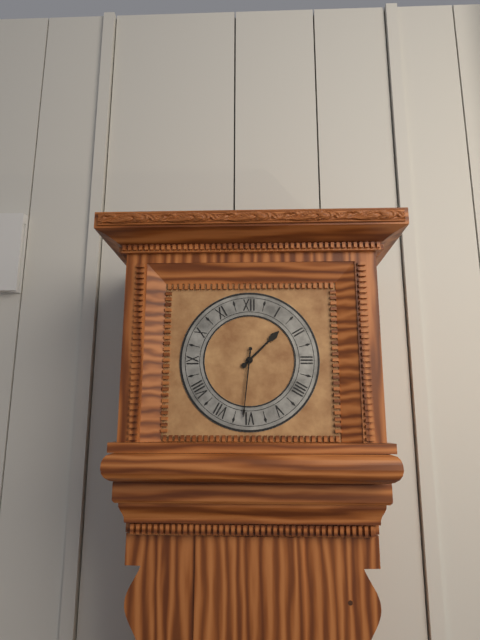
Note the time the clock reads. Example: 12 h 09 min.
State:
1 h 31 min
